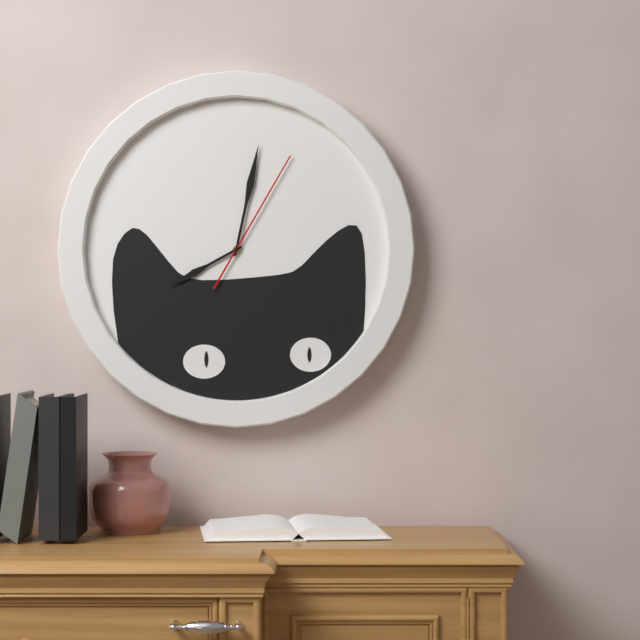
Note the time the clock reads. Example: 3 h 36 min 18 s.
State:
8 h 02 min 05 s
